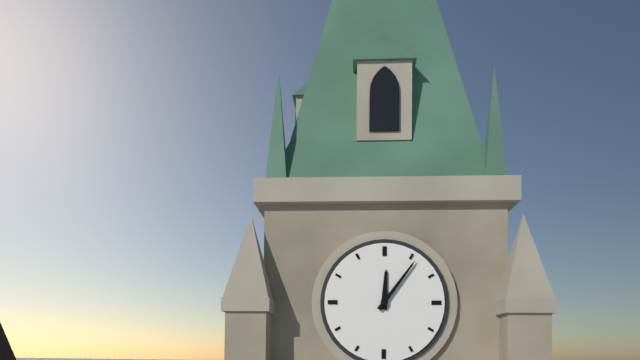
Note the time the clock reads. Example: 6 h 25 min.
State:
12 h 06 min
